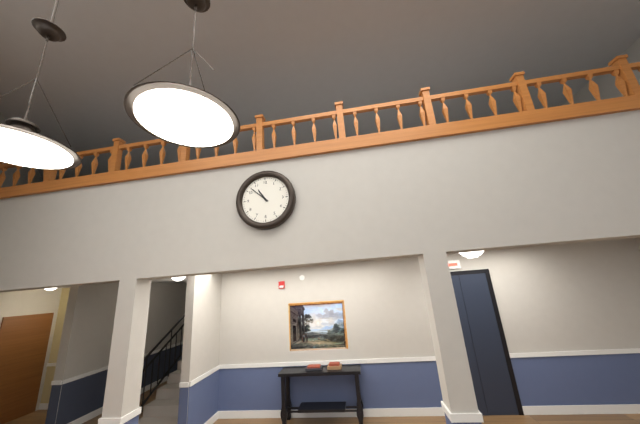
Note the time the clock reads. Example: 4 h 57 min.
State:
10 h 52 min
